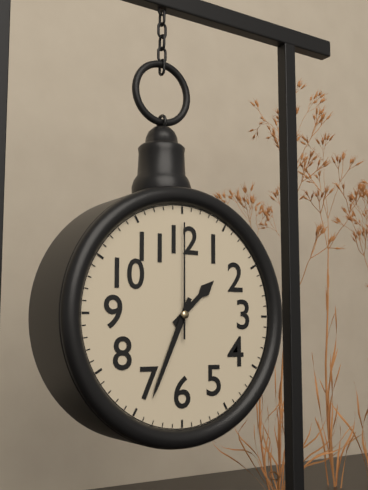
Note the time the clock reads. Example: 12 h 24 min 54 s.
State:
1 h 34 min 00 s
